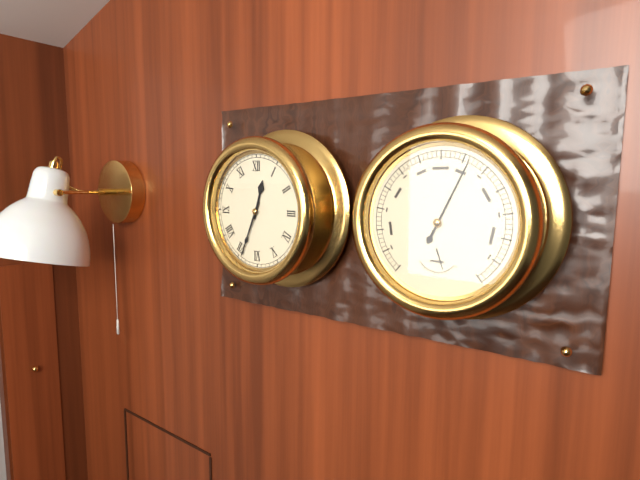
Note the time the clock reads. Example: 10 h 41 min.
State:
12 h 34 min
